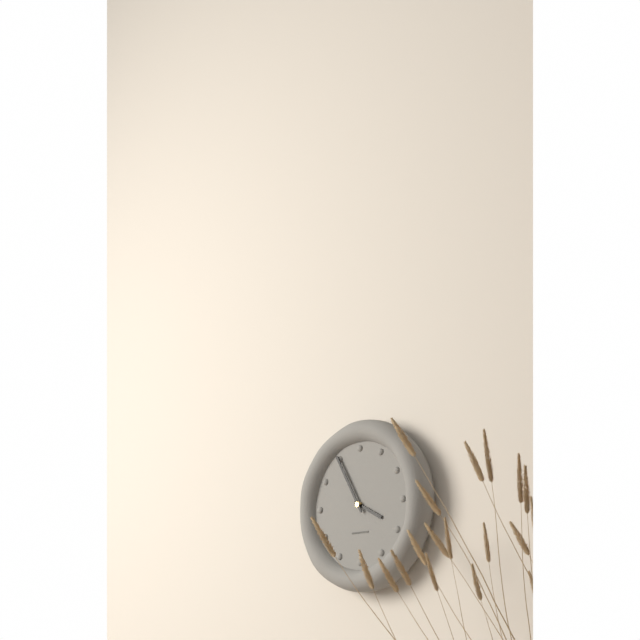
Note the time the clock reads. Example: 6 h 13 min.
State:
3 h 55 min
